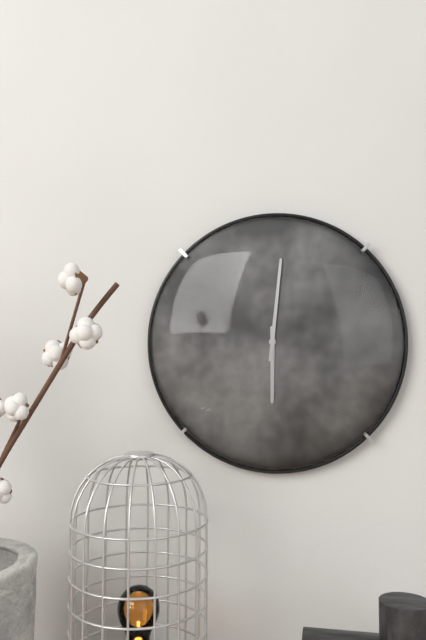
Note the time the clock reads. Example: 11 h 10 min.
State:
6 h 01 min
